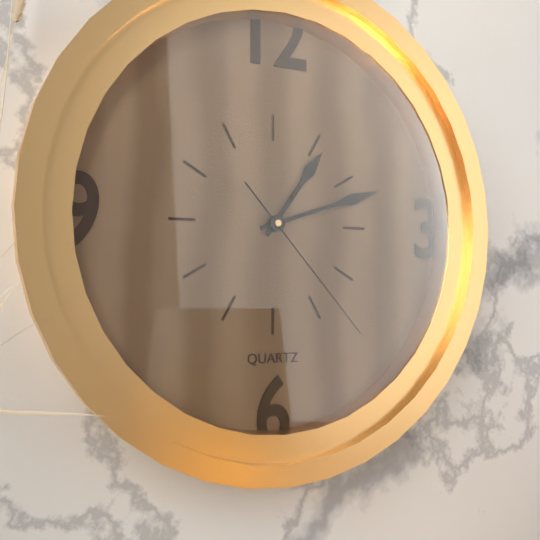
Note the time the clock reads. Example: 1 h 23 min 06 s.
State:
1 h 12 min 23 s
